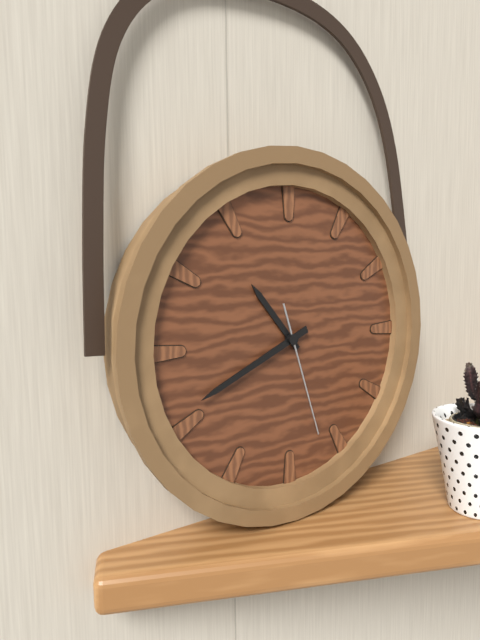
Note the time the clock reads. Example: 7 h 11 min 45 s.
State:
10 h 41 min 27 s
